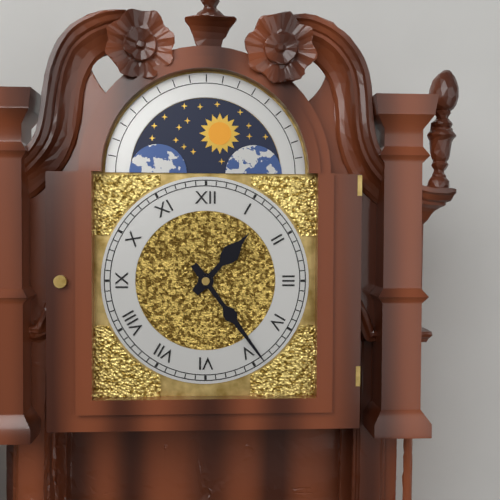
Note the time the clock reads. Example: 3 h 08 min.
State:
1 h 24 min
